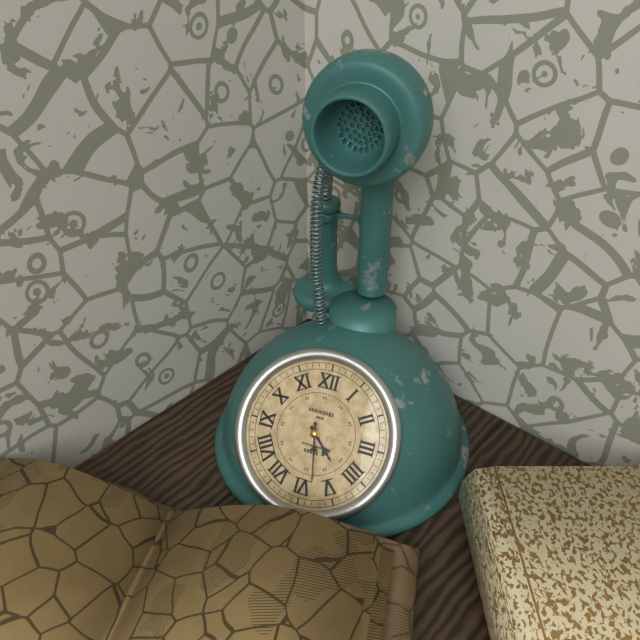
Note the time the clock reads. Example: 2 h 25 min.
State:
4 h 28 min
